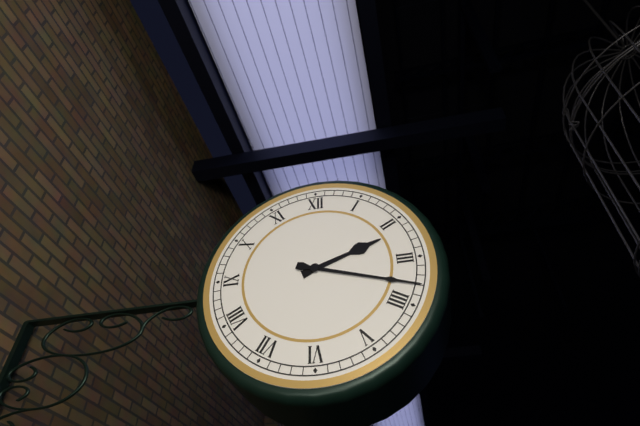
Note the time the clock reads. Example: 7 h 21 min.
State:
2 h 18 min
